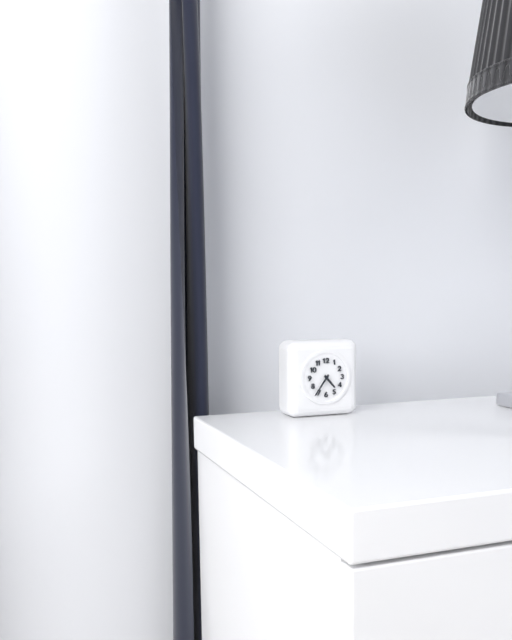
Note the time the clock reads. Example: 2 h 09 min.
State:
4 h 36 min
